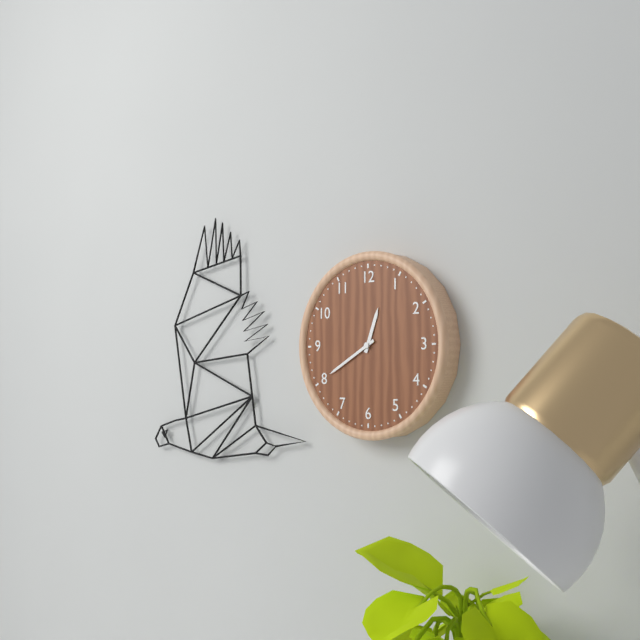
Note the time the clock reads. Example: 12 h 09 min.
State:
12 h 40 min
